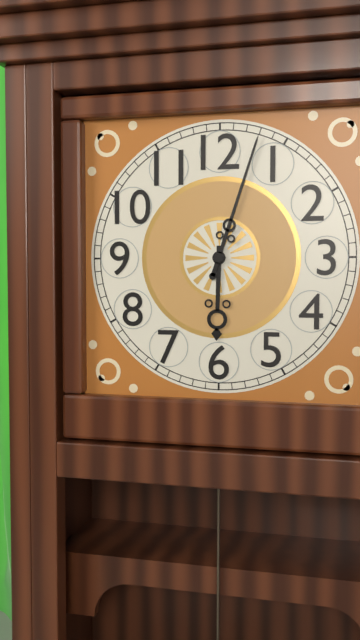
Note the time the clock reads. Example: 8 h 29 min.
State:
6 h 03 min
